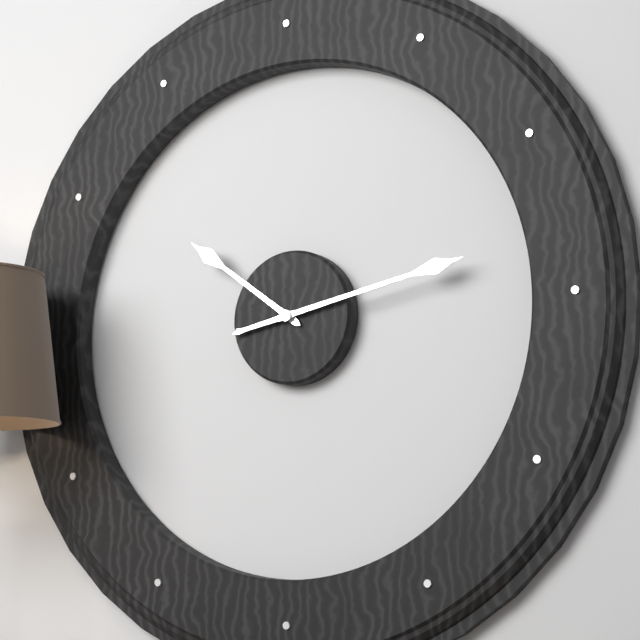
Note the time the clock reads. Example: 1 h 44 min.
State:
10 h 13 min
